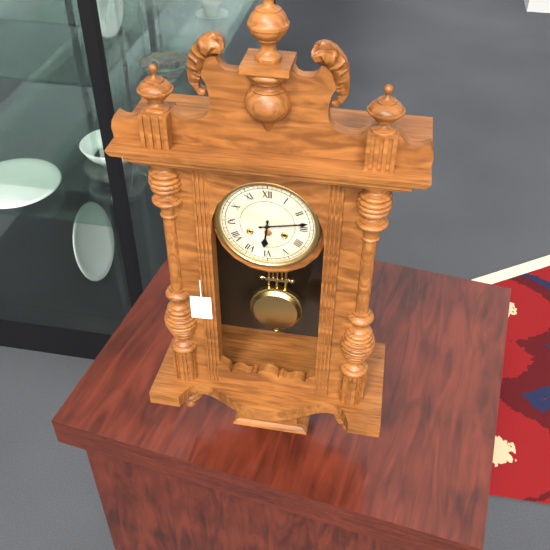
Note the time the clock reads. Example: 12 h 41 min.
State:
6 h 13 min
